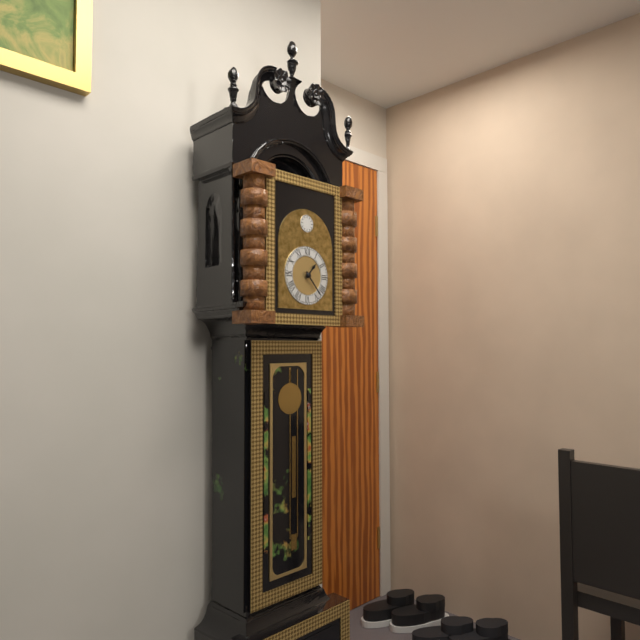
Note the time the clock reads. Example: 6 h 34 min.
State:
1 h 23 min
